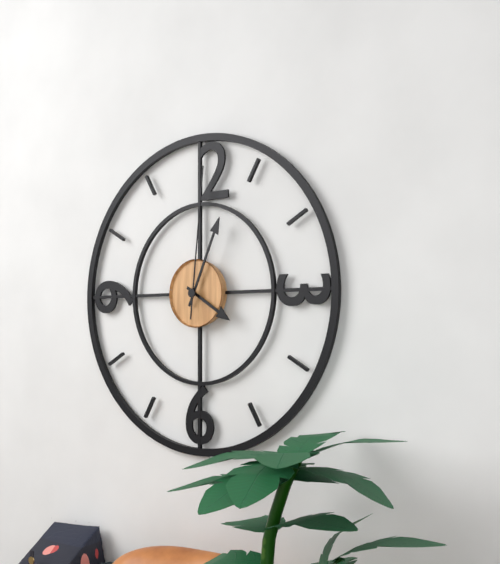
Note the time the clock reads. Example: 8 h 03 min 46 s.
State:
4 h 04 min 01 s
